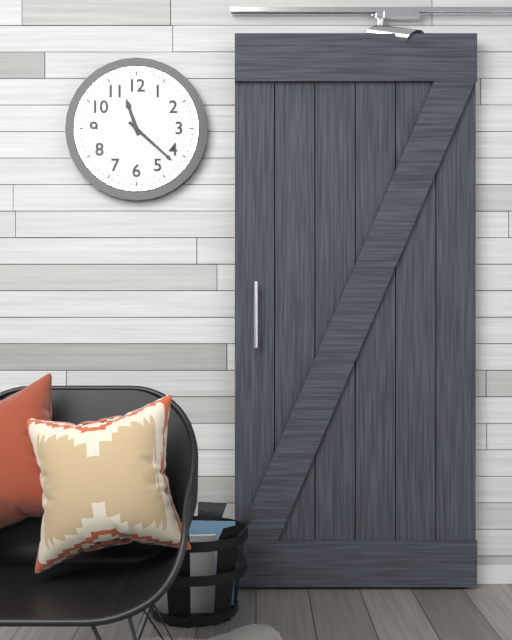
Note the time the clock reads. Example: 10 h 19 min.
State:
11 h 22 min
